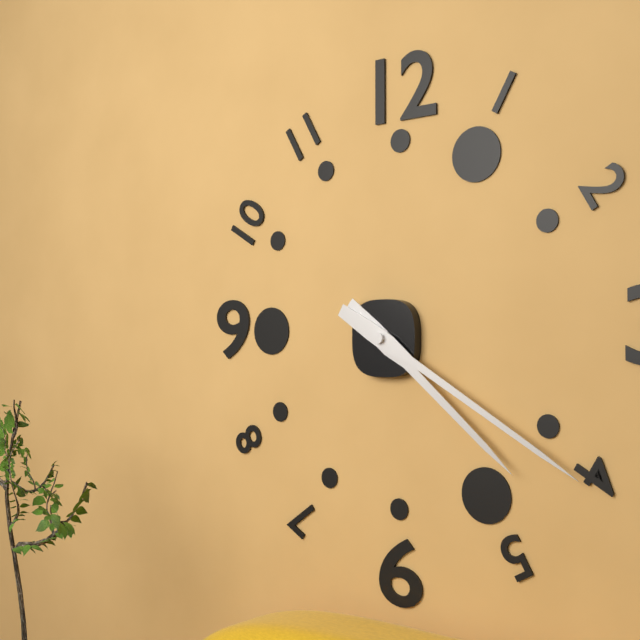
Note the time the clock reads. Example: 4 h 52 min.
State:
4 h 20 min
